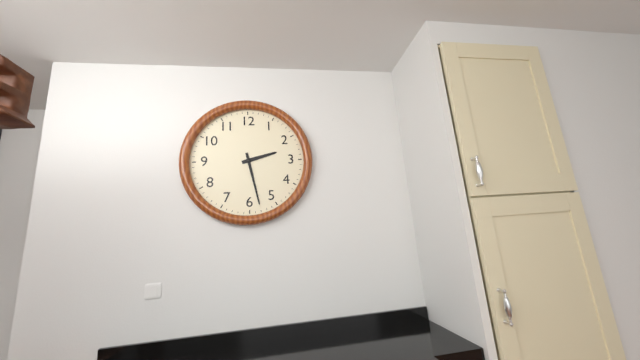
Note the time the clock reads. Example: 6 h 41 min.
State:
2 h 28 min
